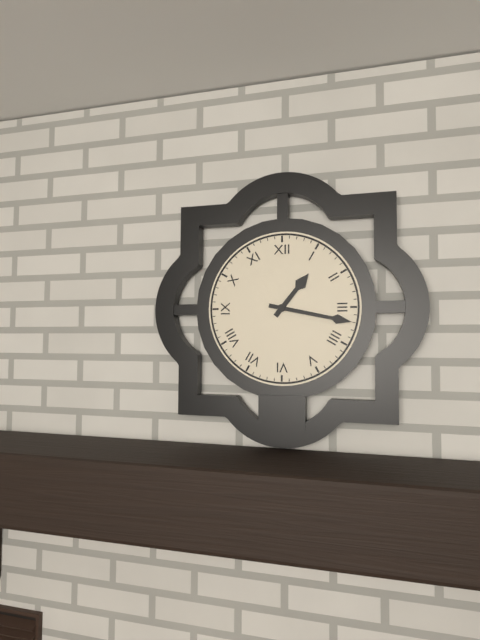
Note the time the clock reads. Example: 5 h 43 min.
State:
1 h 17 min
